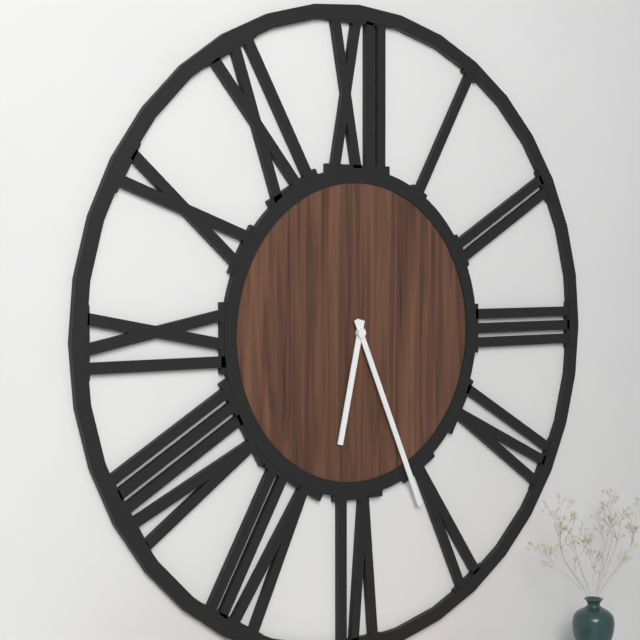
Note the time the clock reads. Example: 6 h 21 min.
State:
6 h 26 min
